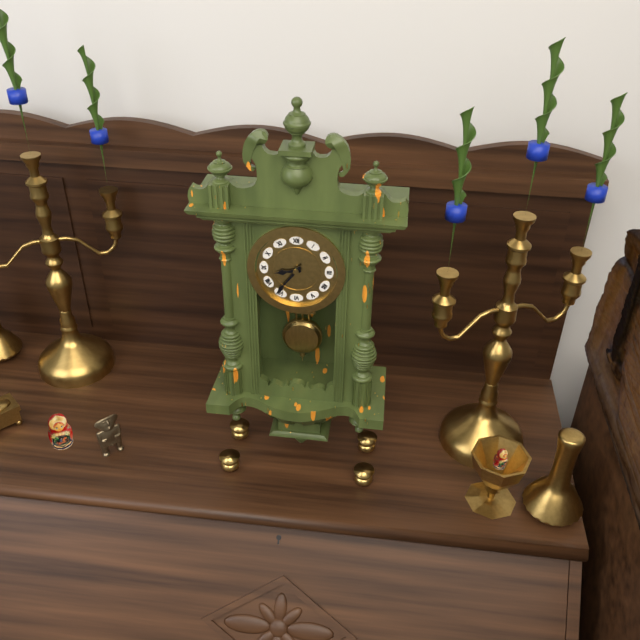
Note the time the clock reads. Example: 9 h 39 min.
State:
8 h 36 min
